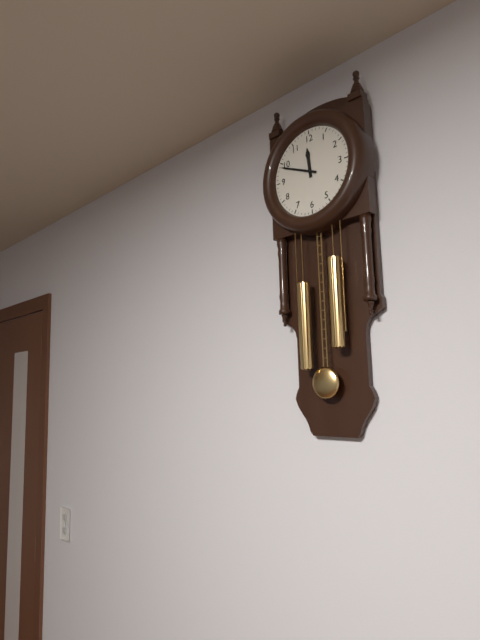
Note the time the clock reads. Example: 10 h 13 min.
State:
11 h 49 min
